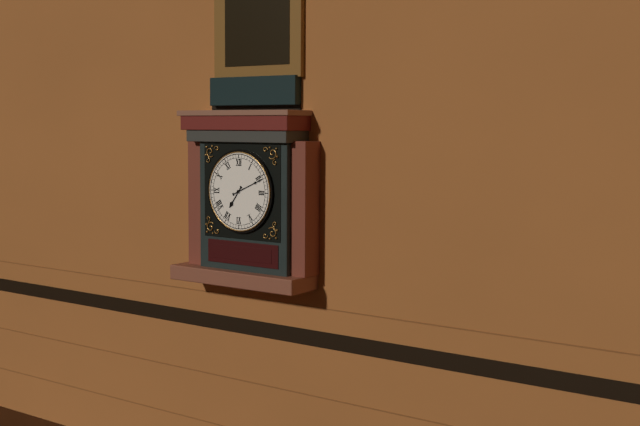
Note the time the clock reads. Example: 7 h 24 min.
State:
7 h 11 min
